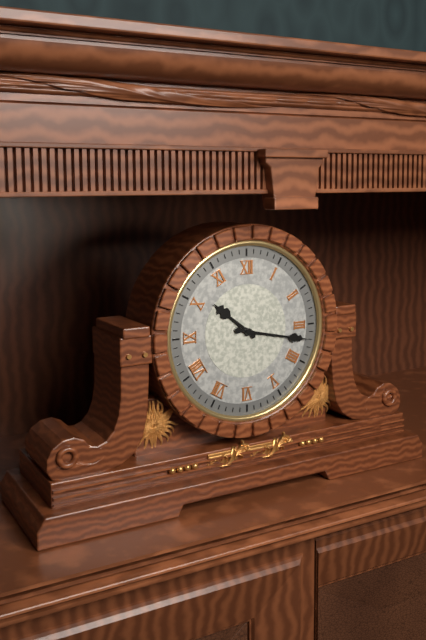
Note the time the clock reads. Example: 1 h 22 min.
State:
10 h 17 min
